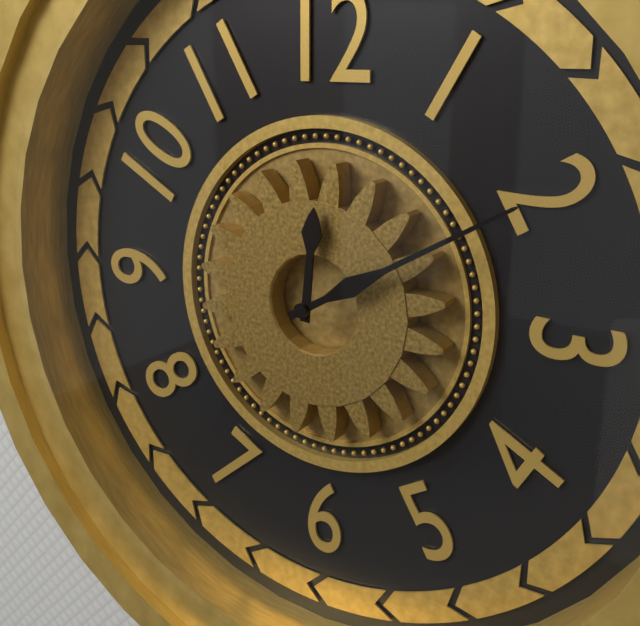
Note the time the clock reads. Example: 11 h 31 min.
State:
12 h 10 min
